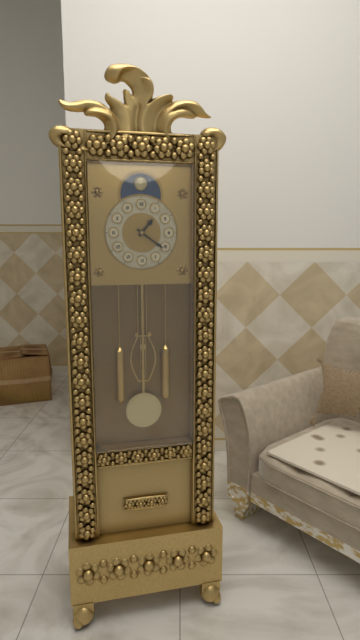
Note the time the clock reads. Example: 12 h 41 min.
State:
1 h 21 min
